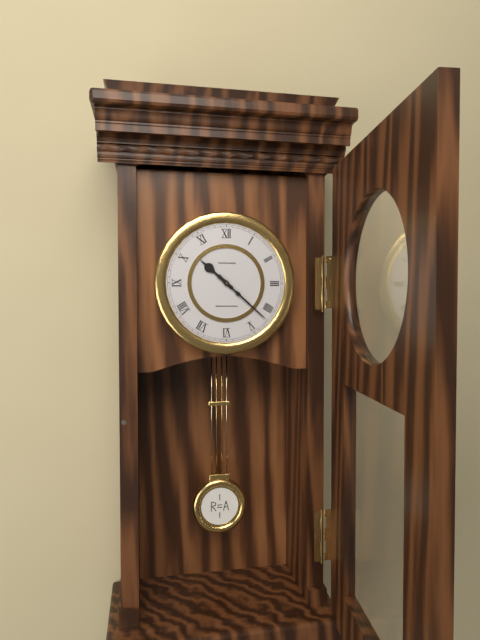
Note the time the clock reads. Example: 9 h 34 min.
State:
10 h 22 min
